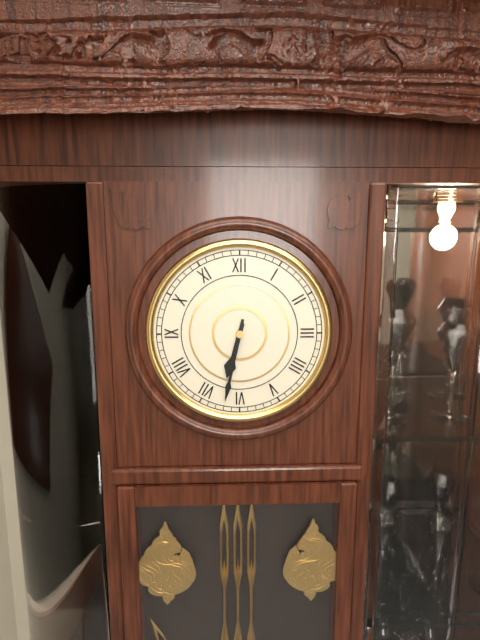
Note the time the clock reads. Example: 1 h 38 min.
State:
6 h 32 min
